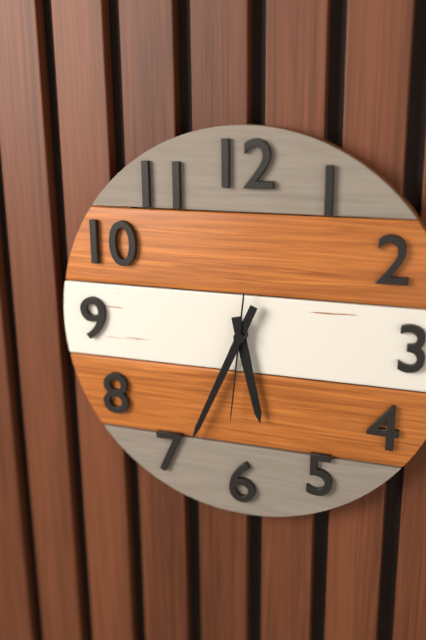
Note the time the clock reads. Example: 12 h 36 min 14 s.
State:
5 h 34 min 31 s
